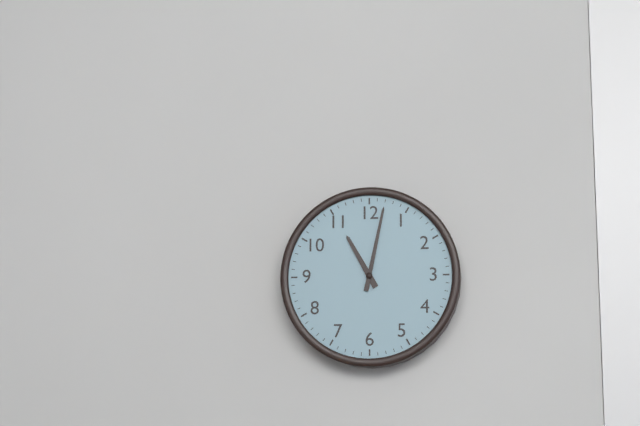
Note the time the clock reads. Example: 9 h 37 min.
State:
11 h 02 min
